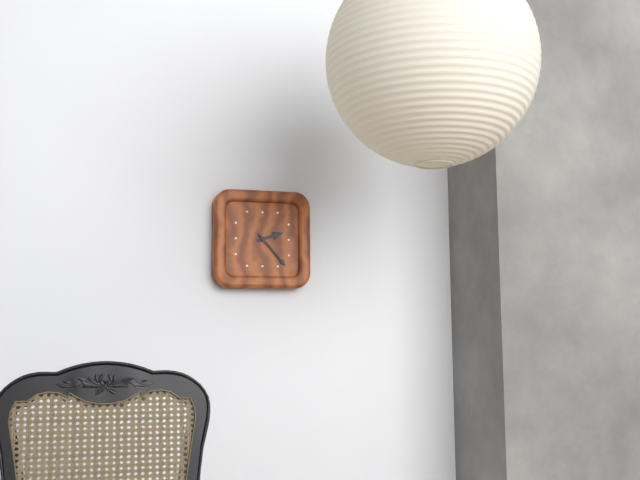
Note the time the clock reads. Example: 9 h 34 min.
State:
2 h 23 min
